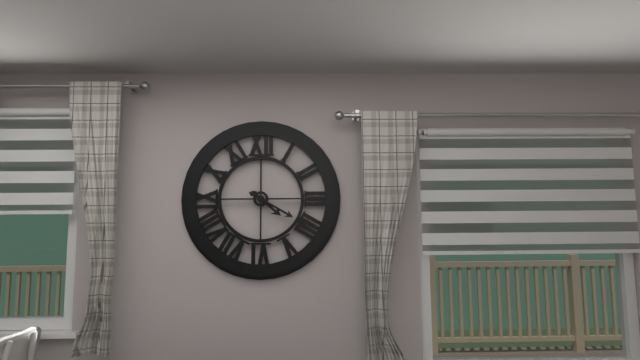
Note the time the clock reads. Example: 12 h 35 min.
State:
4 h 20 min
